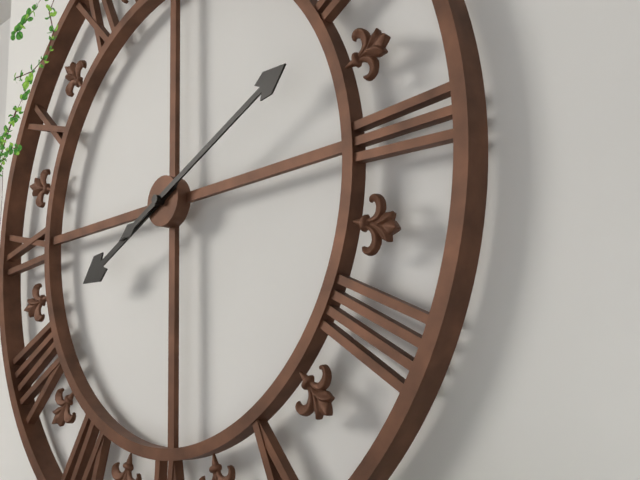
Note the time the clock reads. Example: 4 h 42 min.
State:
8 h 11 min
